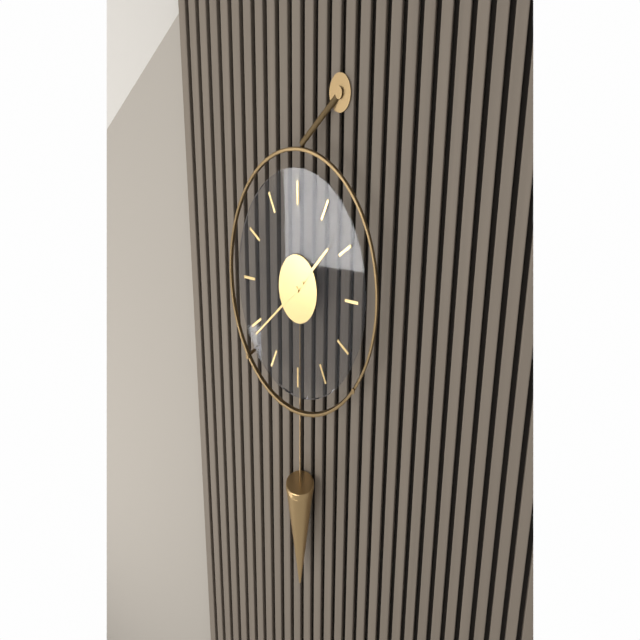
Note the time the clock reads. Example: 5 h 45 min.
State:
1 h 39 min
